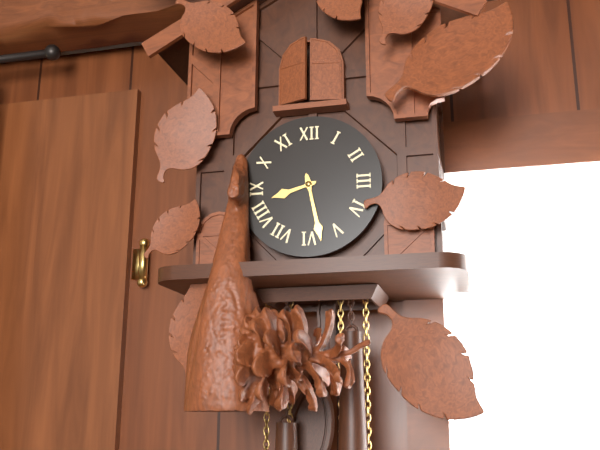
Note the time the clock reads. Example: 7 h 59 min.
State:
8 h 28 min
